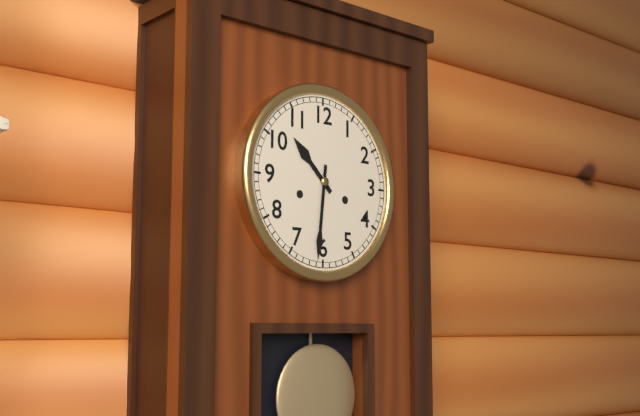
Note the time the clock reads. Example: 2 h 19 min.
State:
10 h 31 min
